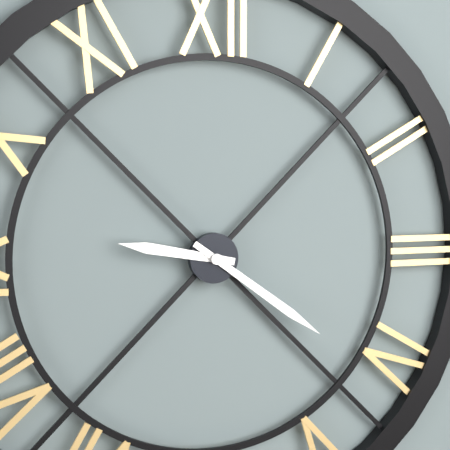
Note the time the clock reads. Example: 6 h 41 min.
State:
9 h 21 min
